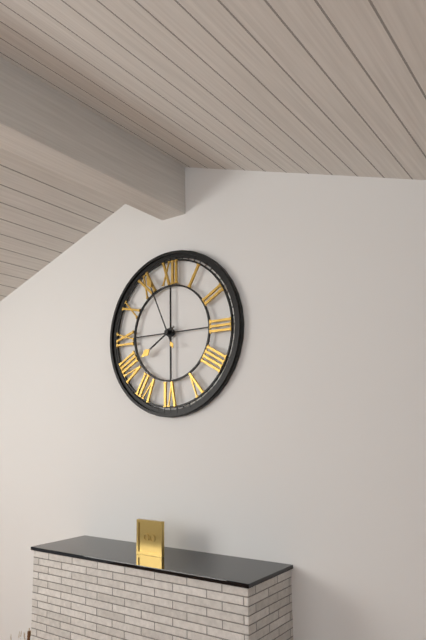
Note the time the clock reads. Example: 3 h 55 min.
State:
7 h 56 min
